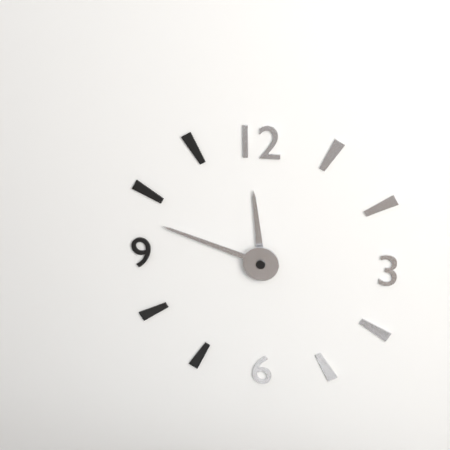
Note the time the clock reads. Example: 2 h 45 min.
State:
11 h 48 min
